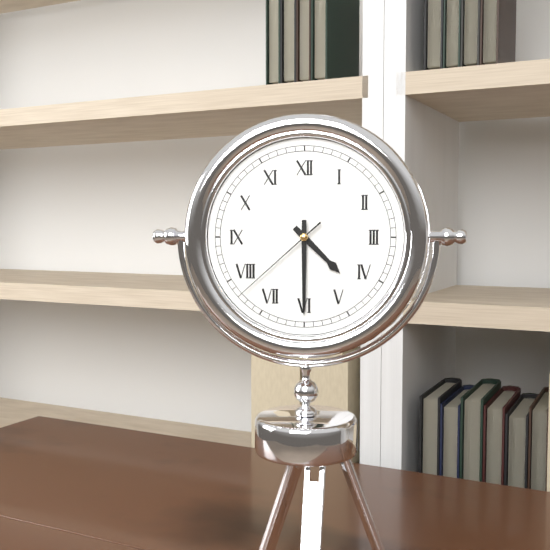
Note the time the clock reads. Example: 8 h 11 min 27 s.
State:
4 h 30 min 38 s
